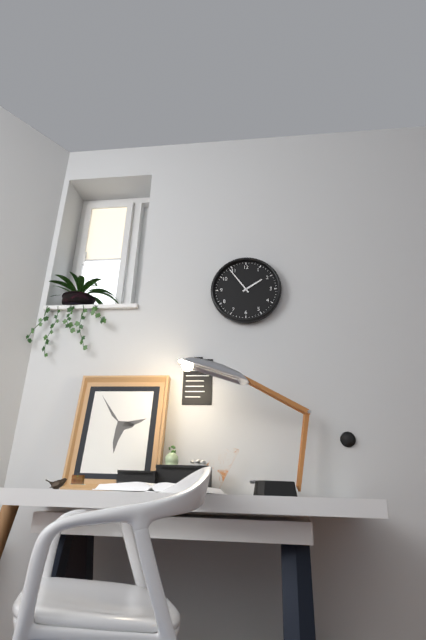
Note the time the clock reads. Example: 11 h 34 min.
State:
1 h 54 min
